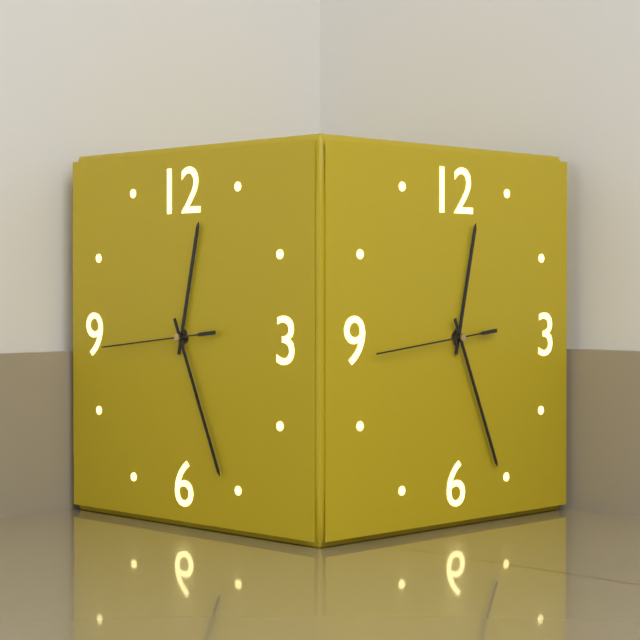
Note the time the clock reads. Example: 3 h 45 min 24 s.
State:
12 h 26 min 44 s
